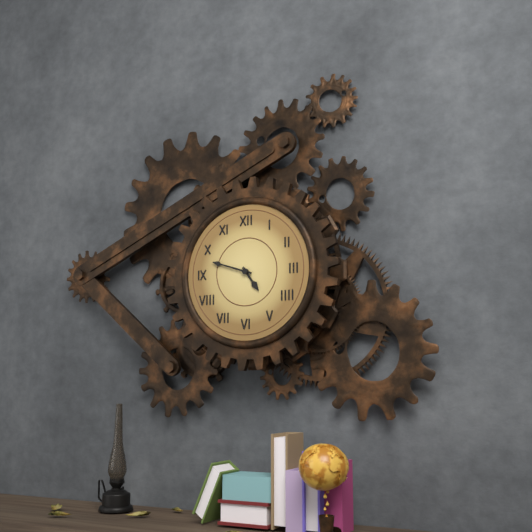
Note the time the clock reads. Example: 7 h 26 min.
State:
4 h 48 min
